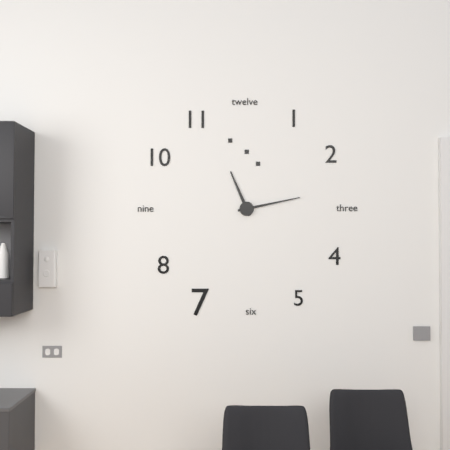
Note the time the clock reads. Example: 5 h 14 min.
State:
11 h 13 min
